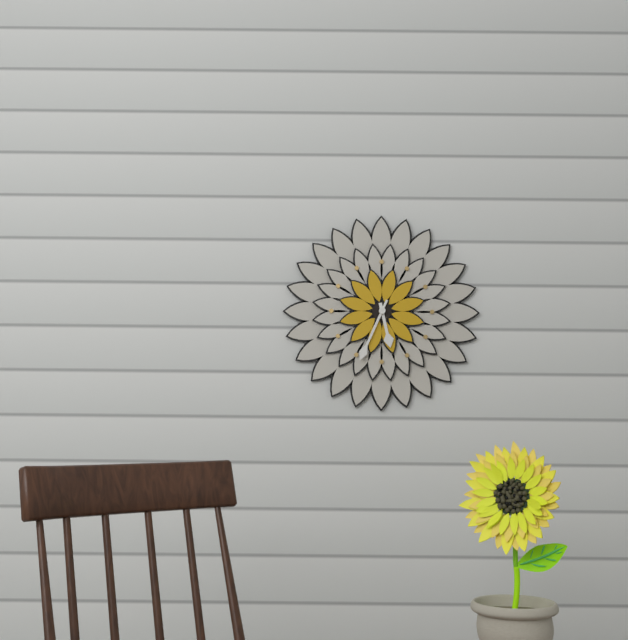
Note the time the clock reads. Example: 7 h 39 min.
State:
5 h 34 min
